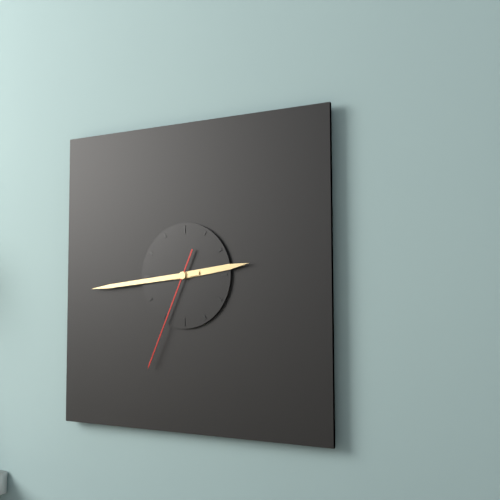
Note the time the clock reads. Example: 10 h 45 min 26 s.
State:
2 h 44 min 34 s
